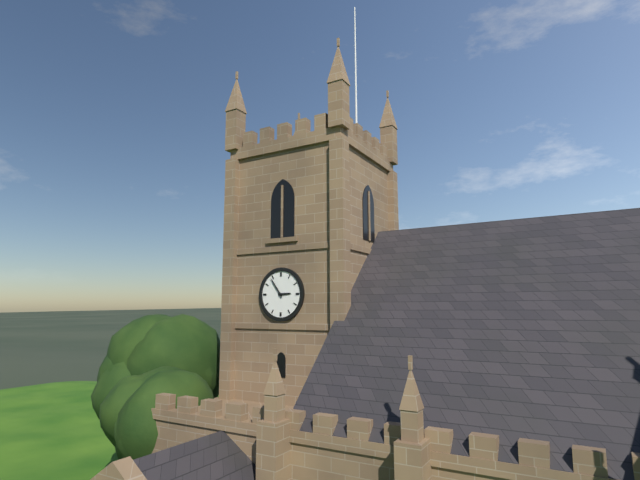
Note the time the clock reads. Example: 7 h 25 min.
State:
2 h 54 min
